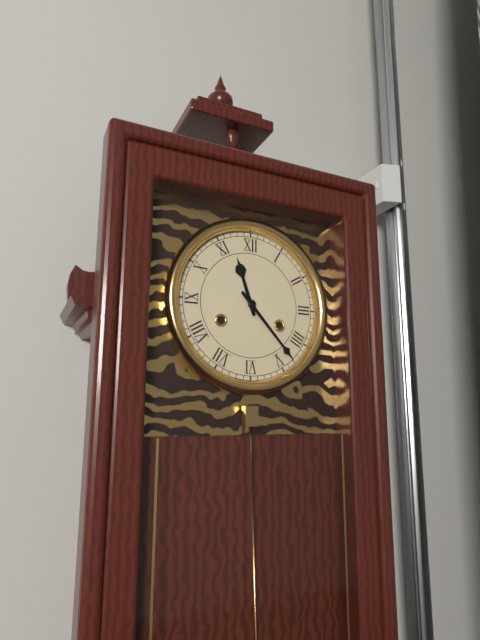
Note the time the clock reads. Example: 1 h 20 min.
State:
11 h 23 min
